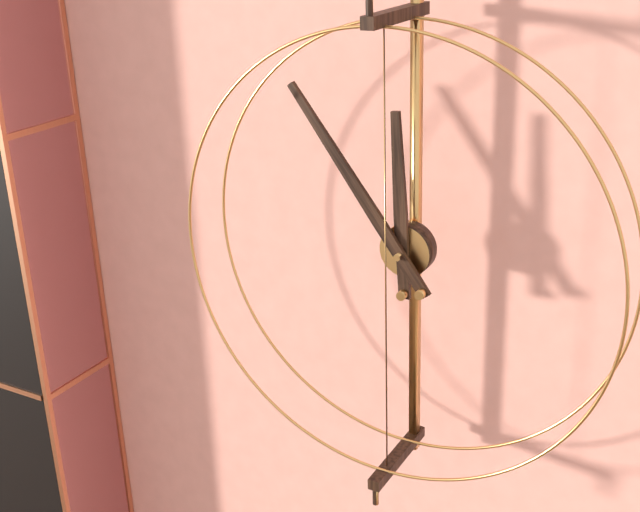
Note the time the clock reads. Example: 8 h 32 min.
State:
11 h 54 min
